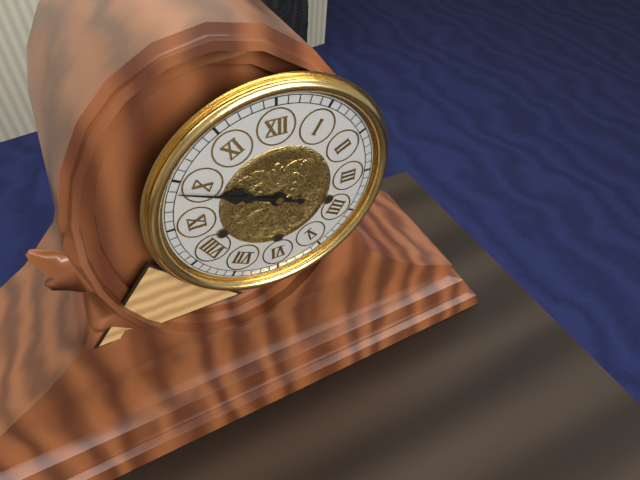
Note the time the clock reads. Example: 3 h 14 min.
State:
9 h 49 min
